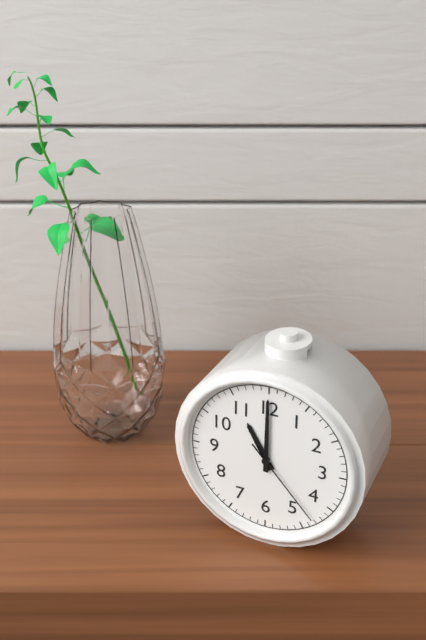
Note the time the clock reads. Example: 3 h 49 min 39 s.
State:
11 h 00 min 23 s
